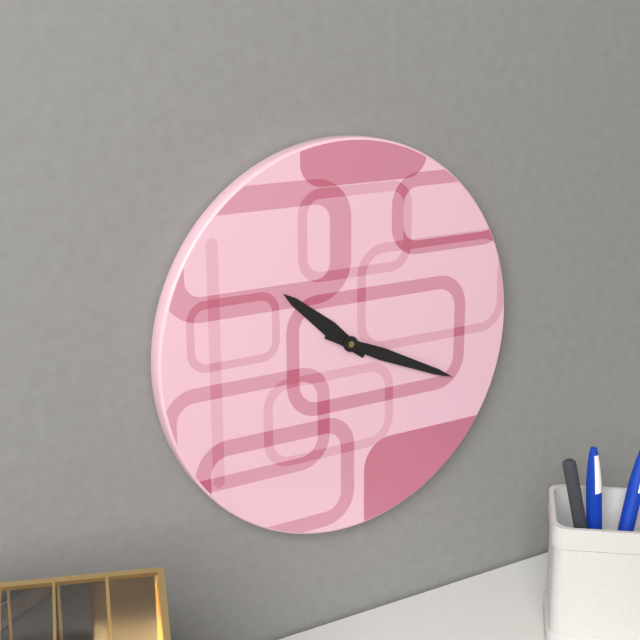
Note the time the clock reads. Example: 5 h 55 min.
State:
10 h 19 min
